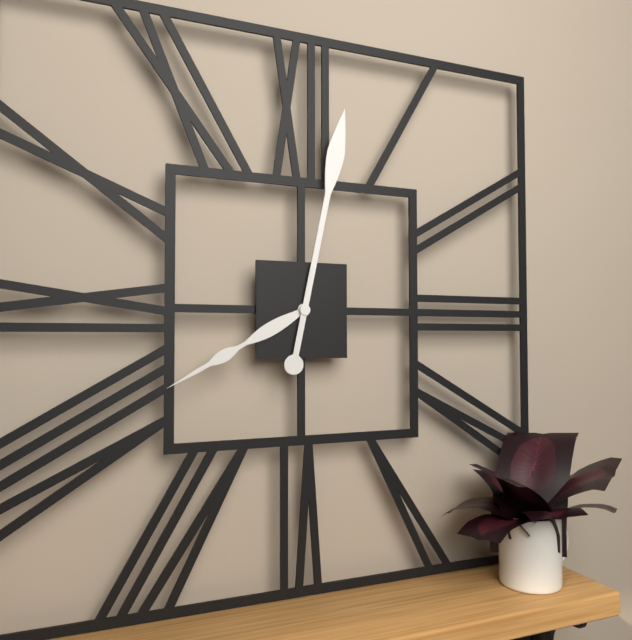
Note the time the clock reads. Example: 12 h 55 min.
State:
8 h 02 min
